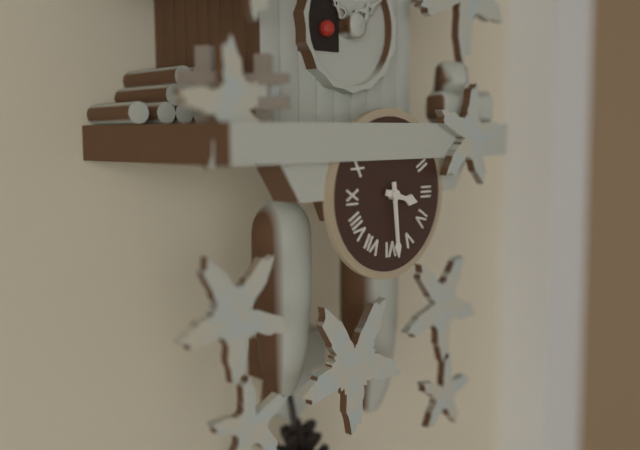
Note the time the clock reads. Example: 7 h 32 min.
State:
3 h 29 min
